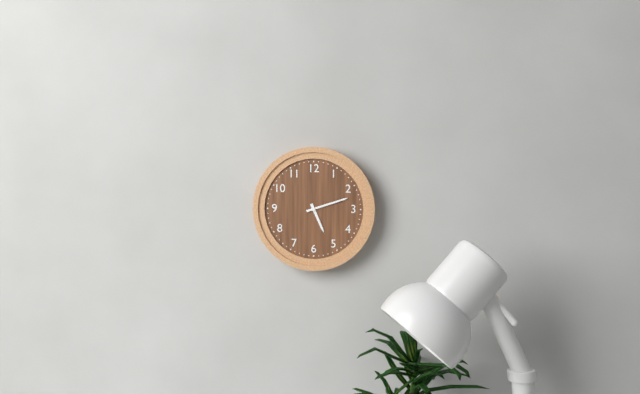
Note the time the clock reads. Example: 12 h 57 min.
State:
5 h 12 min
